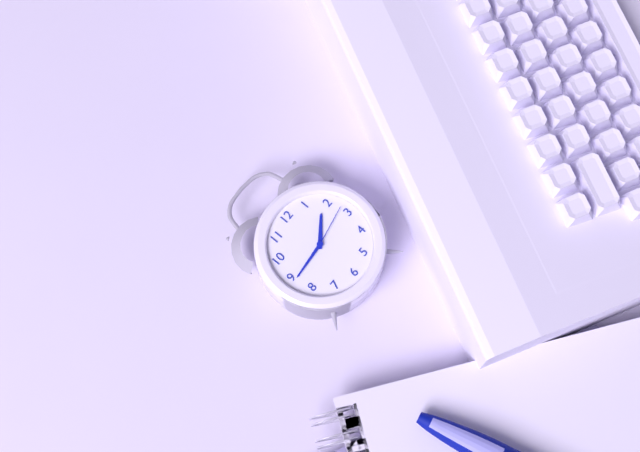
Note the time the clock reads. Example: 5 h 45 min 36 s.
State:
1 h 44 min 13 s
